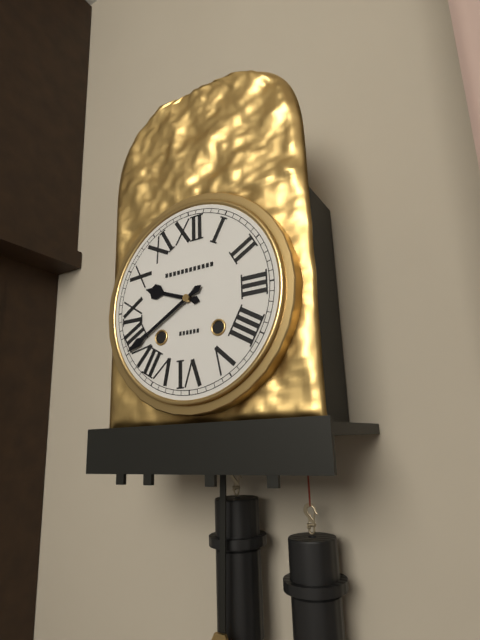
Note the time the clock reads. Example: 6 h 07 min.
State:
9 h 40 min
